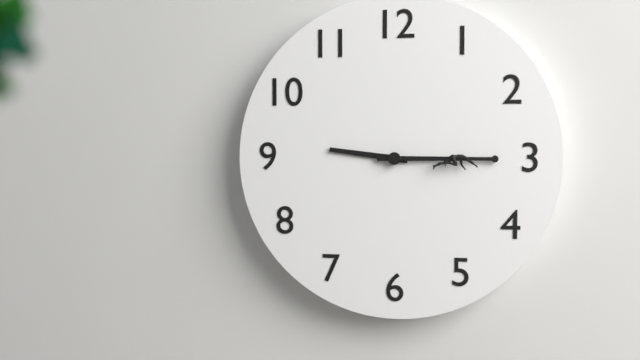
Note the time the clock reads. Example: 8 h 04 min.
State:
9 h 15 min
